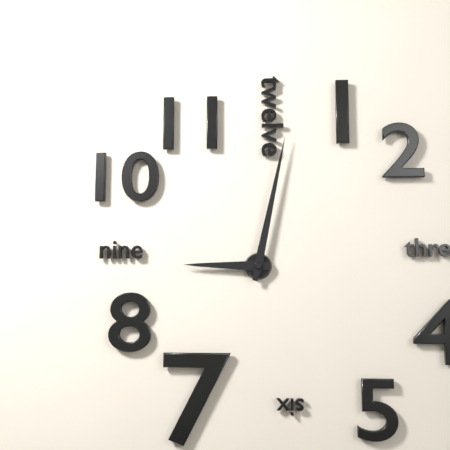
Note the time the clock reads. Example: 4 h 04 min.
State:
9 h 02 min
